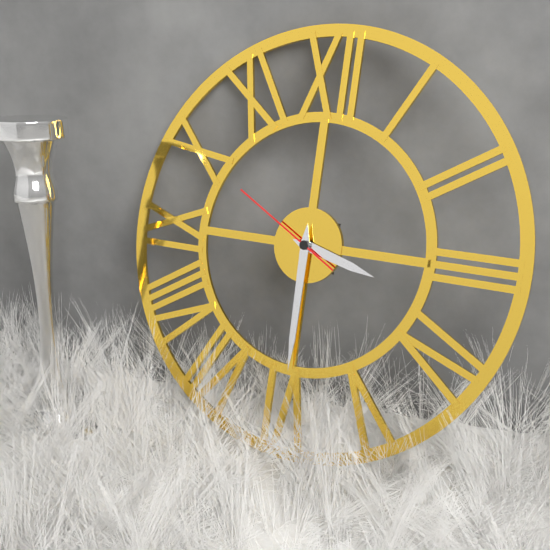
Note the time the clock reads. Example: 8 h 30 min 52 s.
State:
3 h 30 min 50 s
